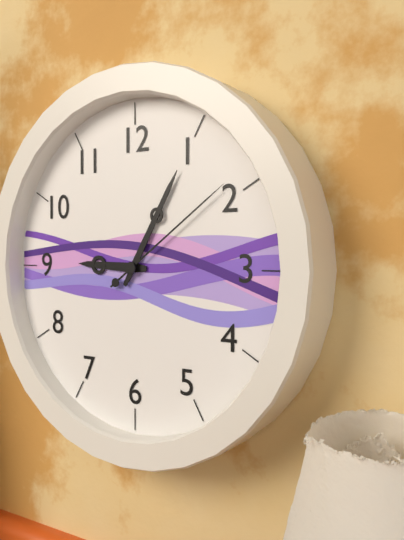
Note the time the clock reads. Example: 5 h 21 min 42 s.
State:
9 h 05 min 09 s
